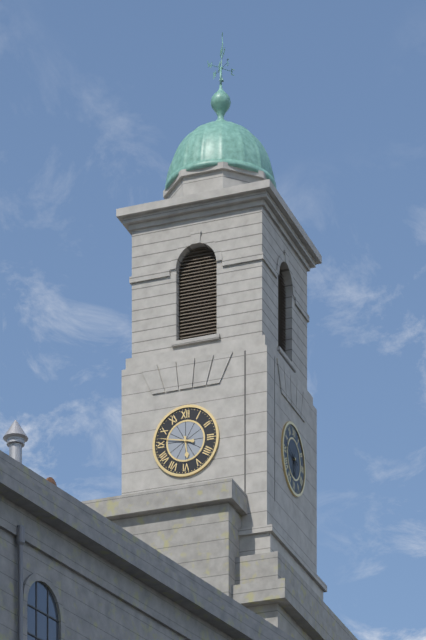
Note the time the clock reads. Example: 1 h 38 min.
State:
5 h 47 min
